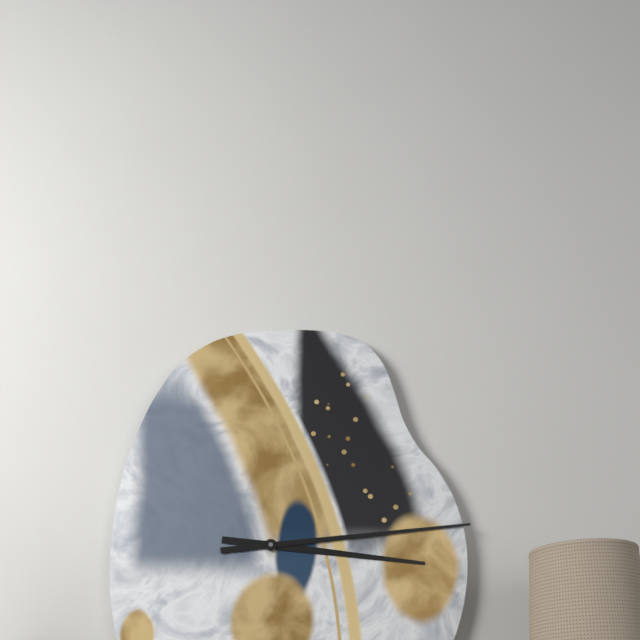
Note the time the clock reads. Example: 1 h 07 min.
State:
3 h 14 min
